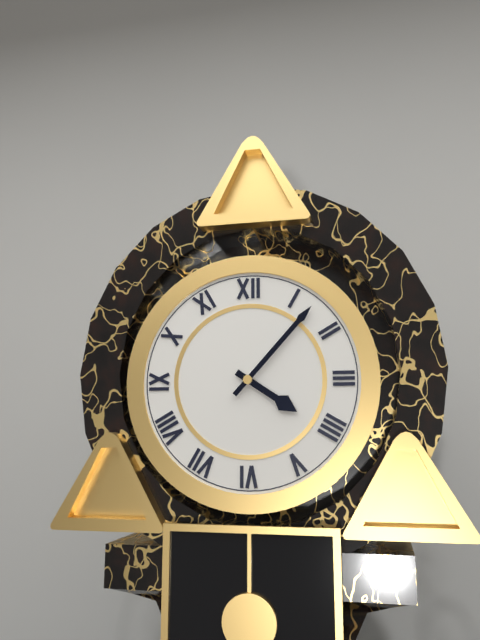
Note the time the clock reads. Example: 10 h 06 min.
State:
4 h 07 min
